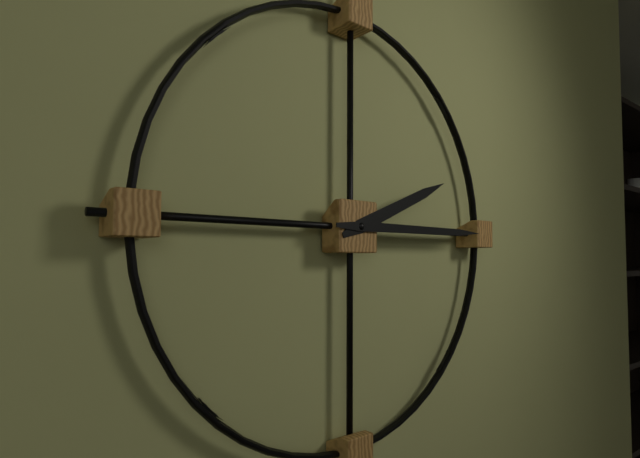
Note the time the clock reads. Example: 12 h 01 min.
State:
2 h 15 min
